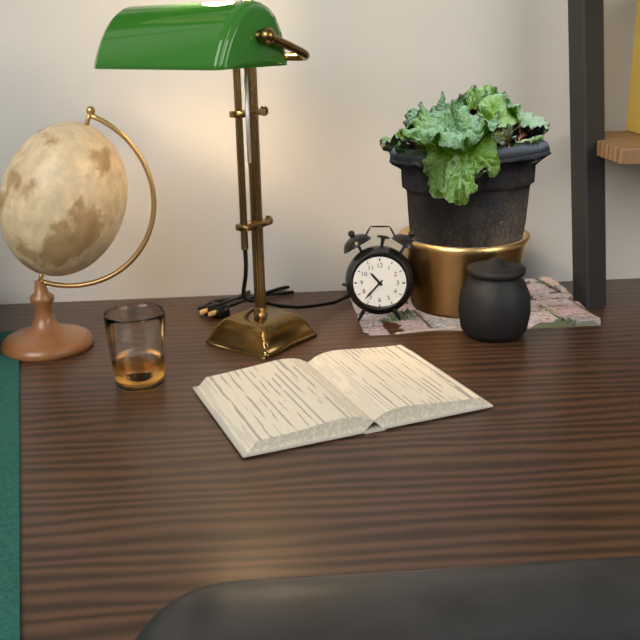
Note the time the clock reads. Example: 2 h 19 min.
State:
10 h 37 min
